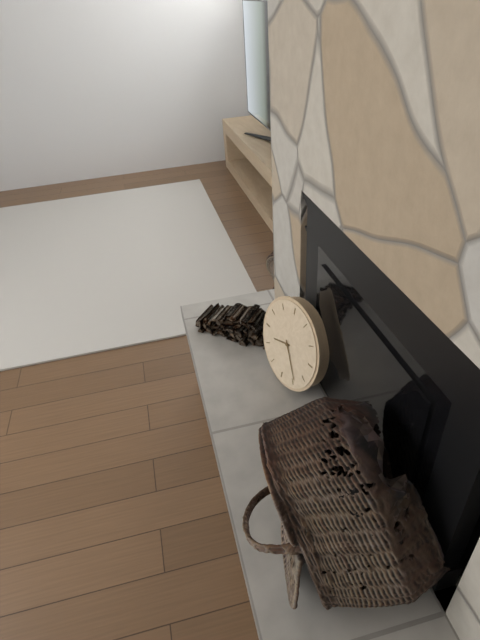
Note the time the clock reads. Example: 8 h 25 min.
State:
8 h 24 min
